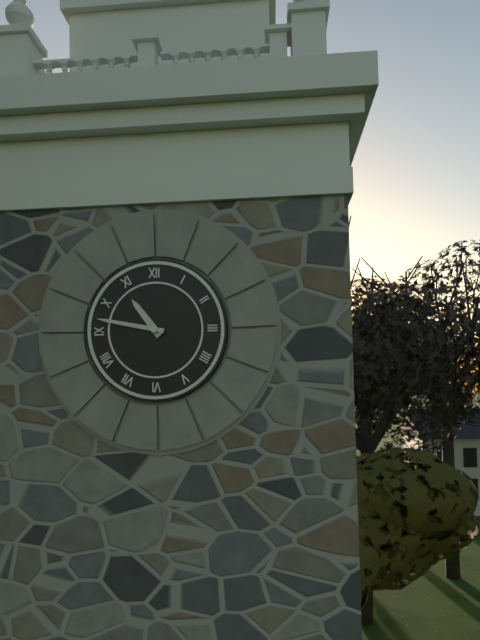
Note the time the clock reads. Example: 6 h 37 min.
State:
10 h 47 min
